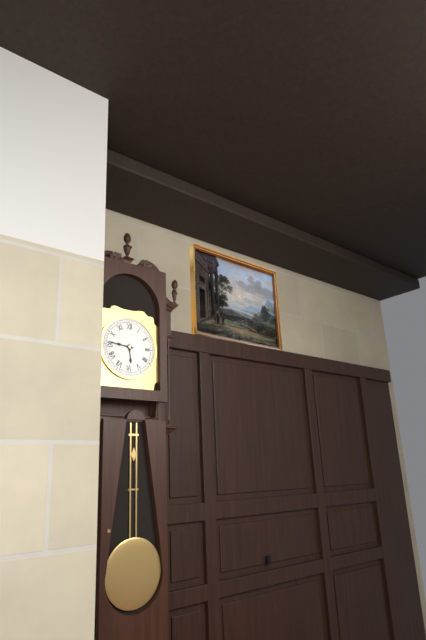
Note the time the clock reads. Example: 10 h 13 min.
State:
5 h 46 min
